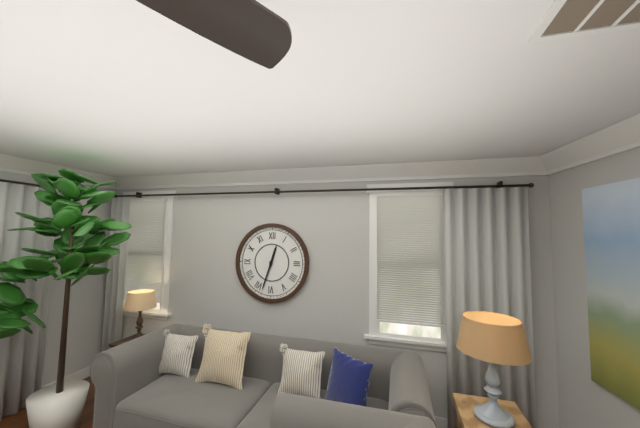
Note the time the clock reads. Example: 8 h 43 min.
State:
12 h 33 min
